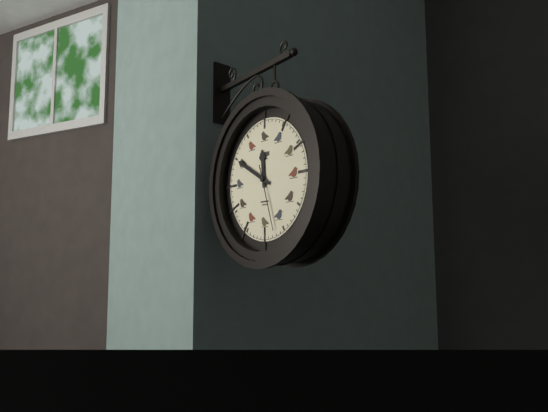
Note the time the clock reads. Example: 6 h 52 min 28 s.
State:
11 h 50 min 27 s
